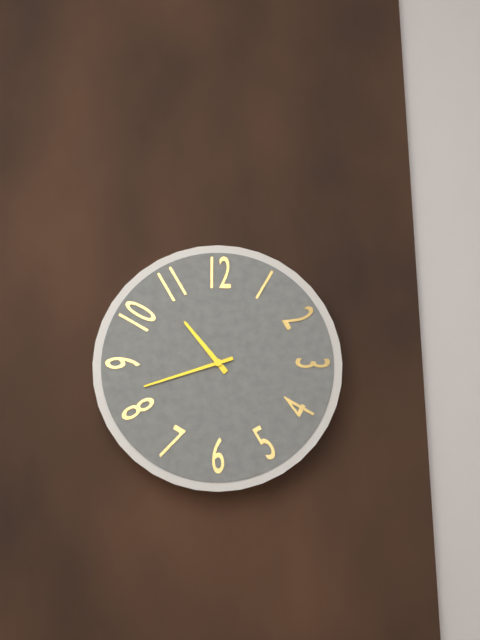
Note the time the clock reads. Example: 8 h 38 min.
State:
10 h 42 min
